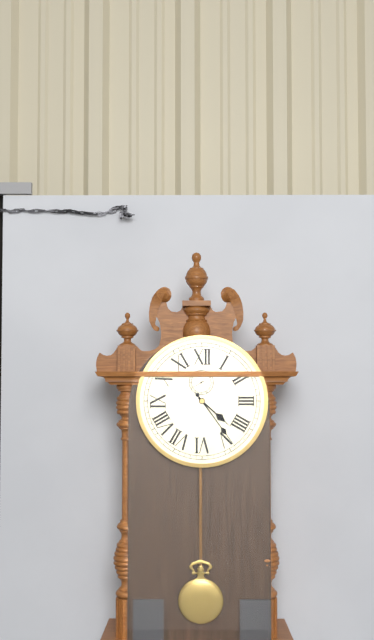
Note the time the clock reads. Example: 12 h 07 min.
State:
4 h 24 min
